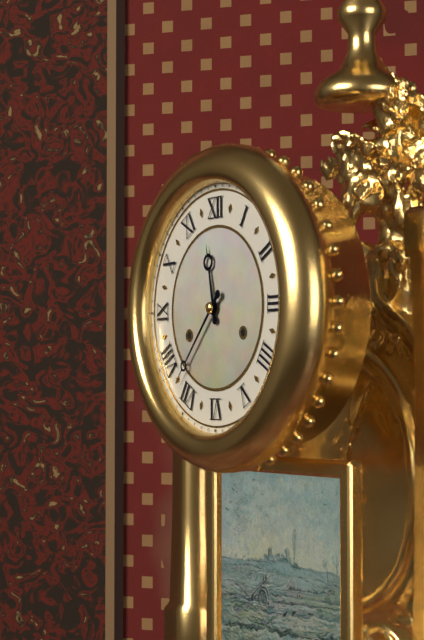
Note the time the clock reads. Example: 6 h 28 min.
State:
11 h 37 min
